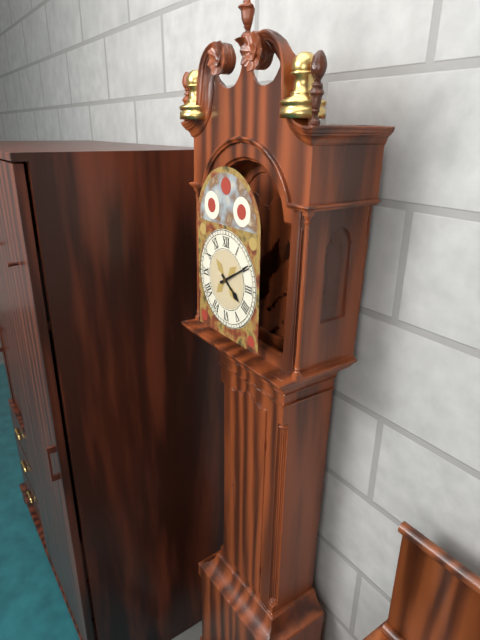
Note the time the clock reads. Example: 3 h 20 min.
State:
4 h 10 min
